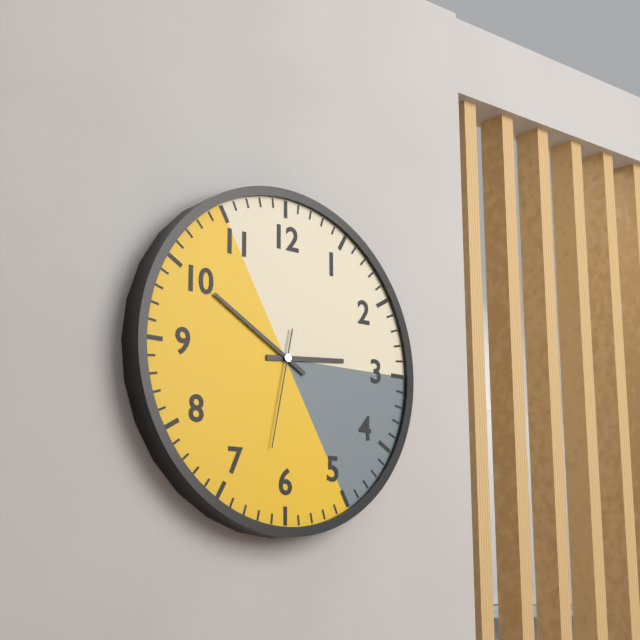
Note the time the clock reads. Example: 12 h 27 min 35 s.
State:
2 h 50 min 32 s
